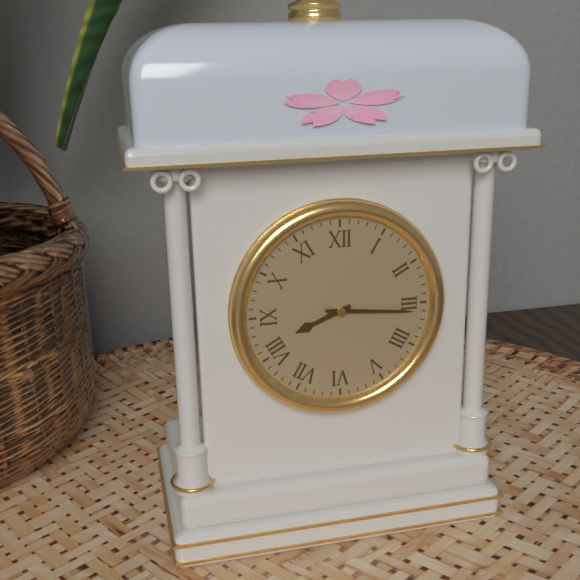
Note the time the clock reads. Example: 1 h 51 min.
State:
8 h 16 min
